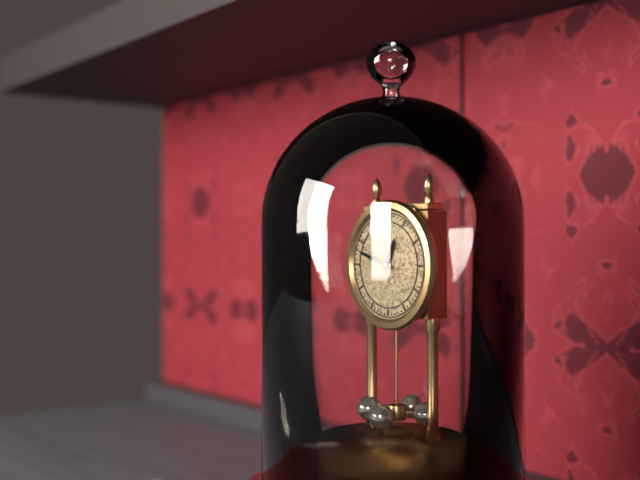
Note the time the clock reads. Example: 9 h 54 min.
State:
12 h 48 min
